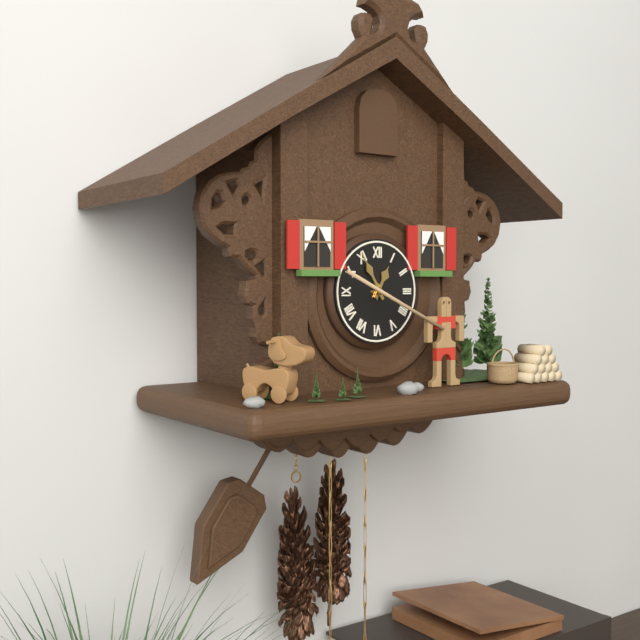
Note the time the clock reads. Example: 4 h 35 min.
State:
12 h 55 min
